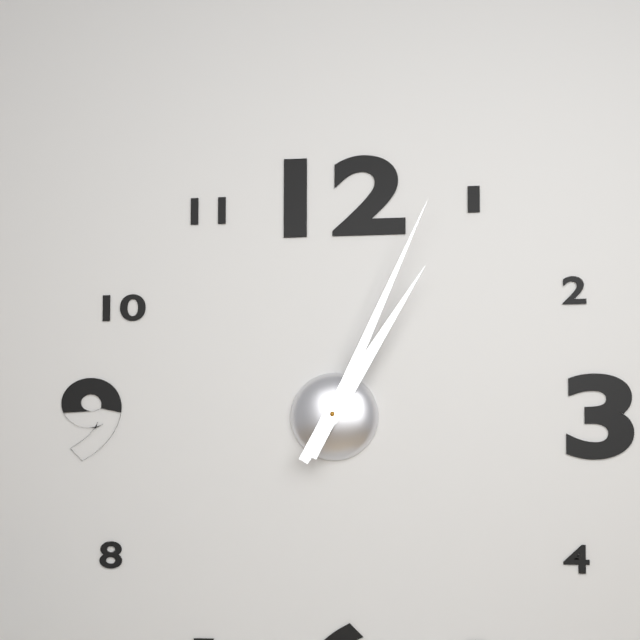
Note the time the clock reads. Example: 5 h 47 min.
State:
1 h 04 min
